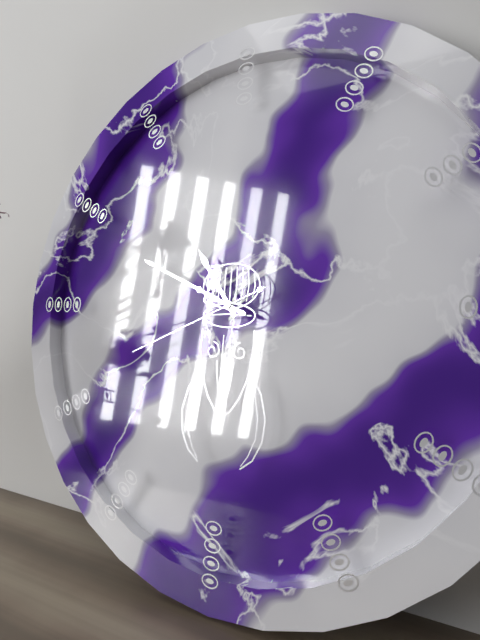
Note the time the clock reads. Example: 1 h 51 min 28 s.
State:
10 h 49 min 41 s
